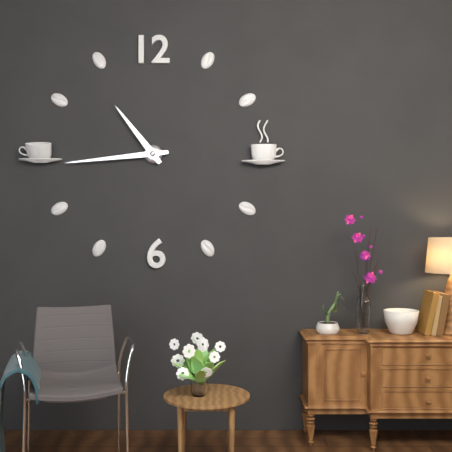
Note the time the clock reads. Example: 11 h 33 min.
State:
10 h 44 min
